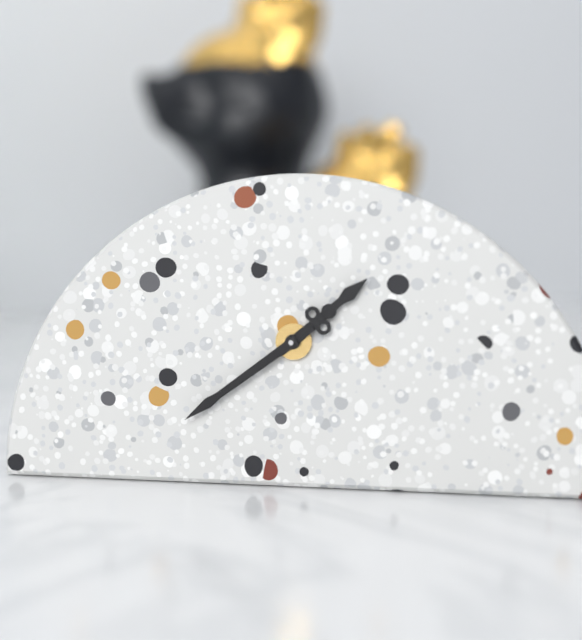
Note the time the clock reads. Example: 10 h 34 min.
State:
1 h 39 min
